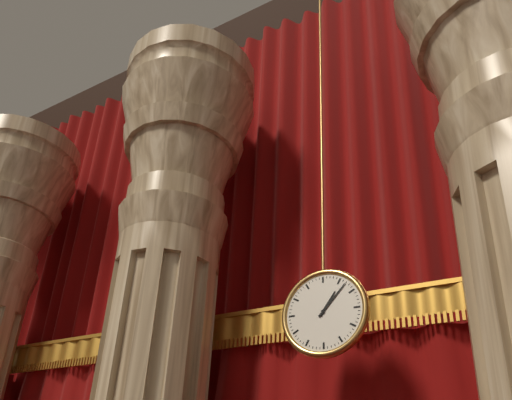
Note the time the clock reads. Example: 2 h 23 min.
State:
1 h 07 min
